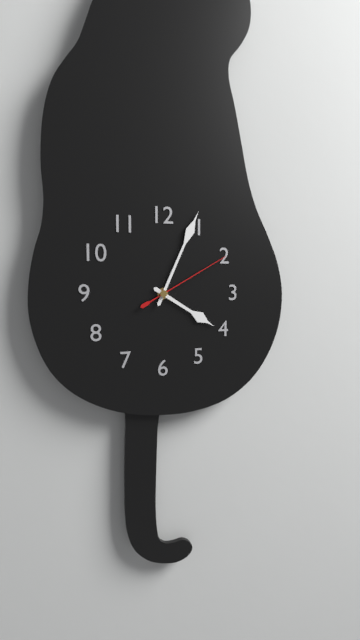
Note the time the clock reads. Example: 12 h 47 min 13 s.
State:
4 h 04 min 10 s
